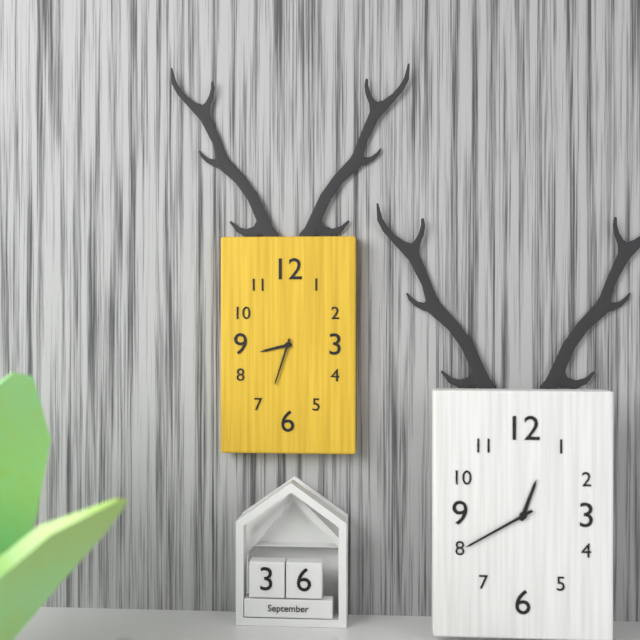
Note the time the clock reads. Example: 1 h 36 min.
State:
8 h 33 min
